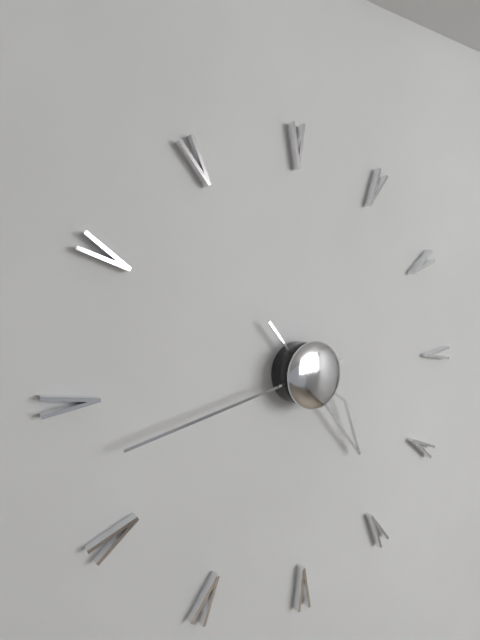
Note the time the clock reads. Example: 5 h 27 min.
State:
4 h 43 min
